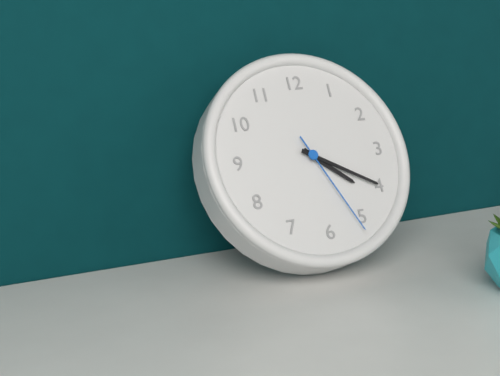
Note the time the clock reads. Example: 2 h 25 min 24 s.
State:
4 h 20 min 26 s
